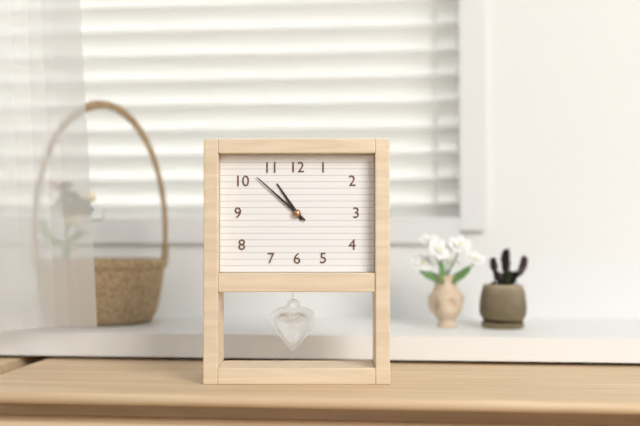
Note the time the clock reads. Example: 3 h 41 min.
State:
10 h 52 min
